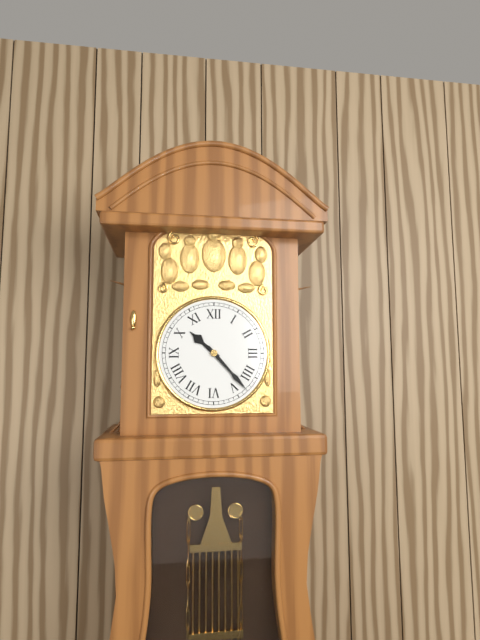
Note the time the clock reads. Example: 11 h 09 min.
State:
10 h 23 min
